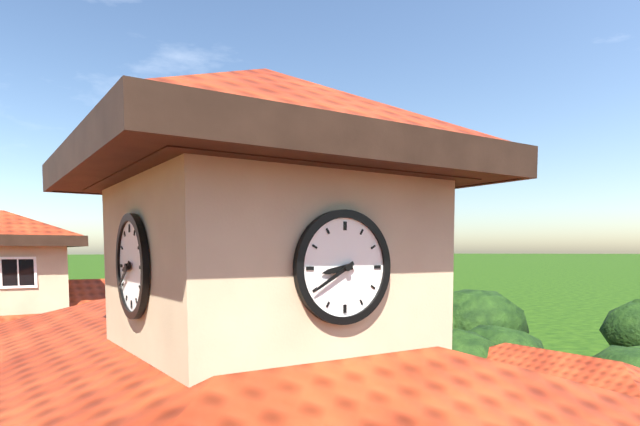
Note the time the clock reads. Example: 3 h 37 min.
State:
8 h 40 min
